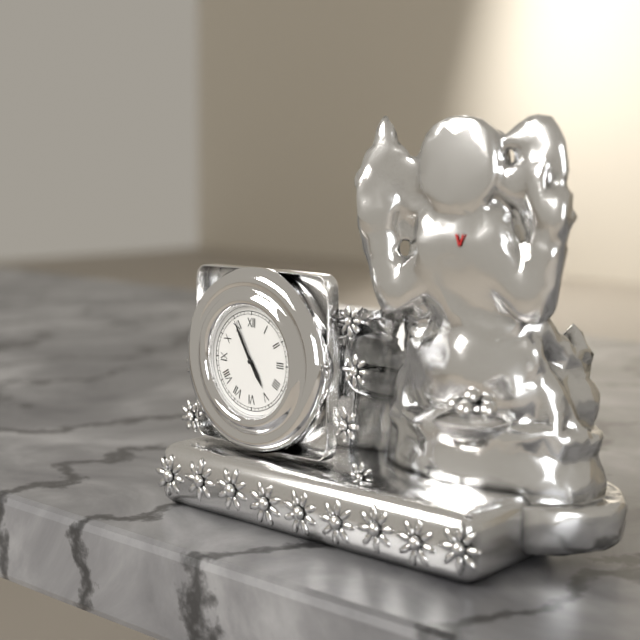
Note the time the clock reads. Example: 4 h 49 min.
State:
4 h 55 min
